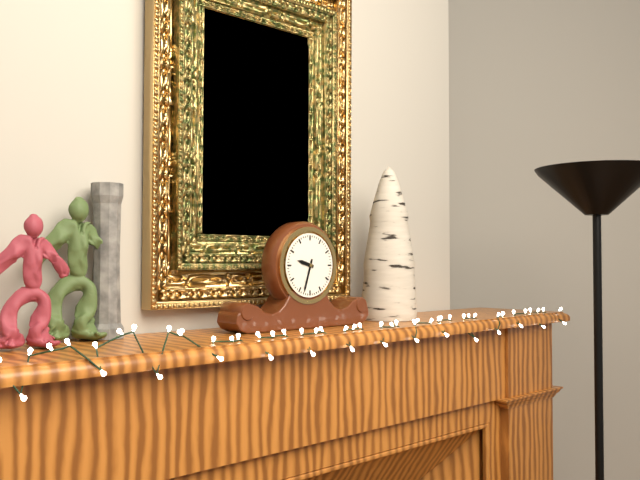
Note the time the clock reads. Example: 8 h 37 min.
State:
9 h 33 min
